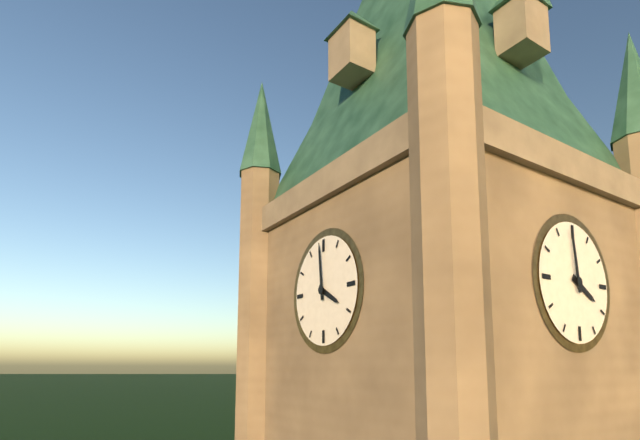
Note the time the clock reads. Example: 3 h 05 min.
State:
3 h 59 min
